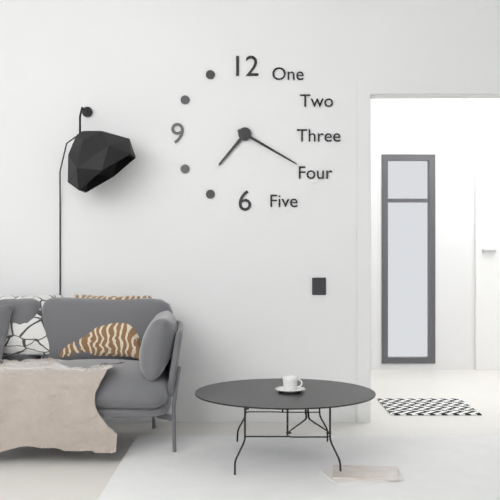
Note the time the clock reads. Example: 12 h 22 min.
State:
7 h 20 min
